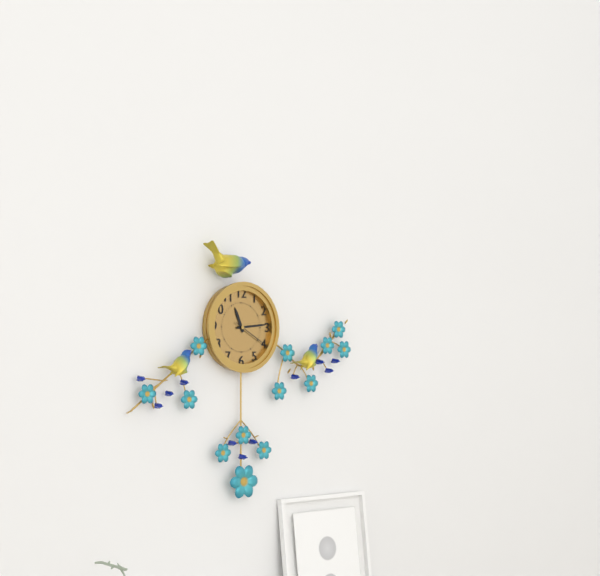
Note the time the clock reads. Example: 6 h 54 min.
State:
11 h 14 min
